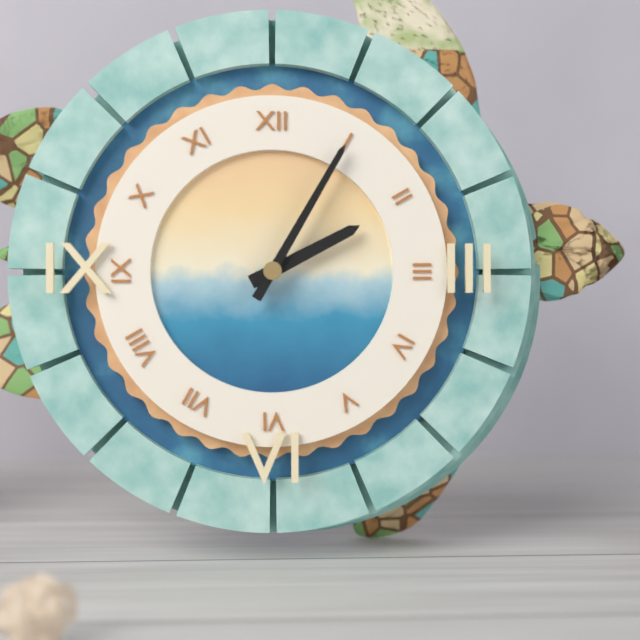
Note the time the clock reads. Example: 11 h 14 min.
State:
2 h 05 min
